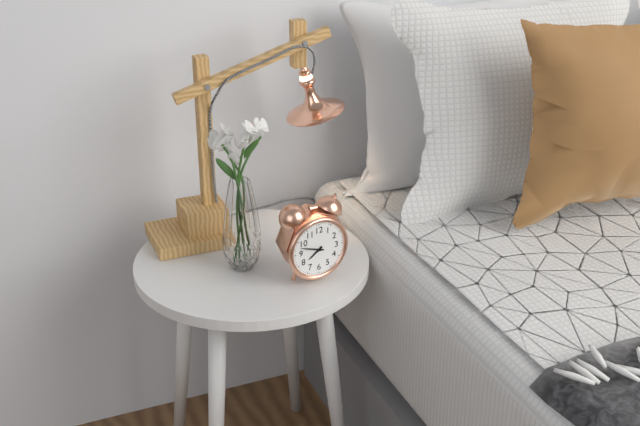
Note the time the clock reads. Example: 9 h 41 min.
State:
7 h 48 min
